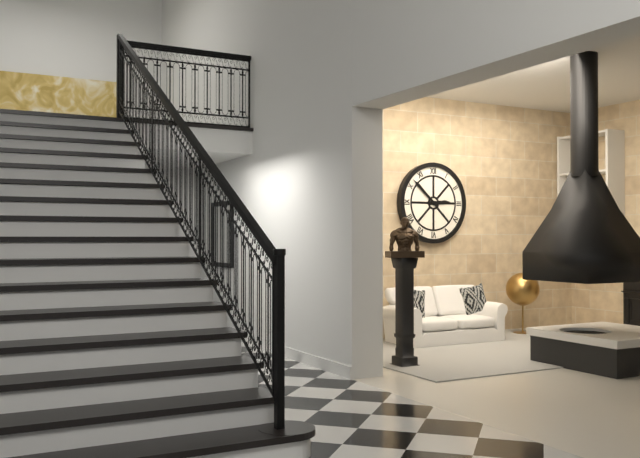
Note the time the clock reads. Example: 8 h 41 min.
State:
2 h 52 min
